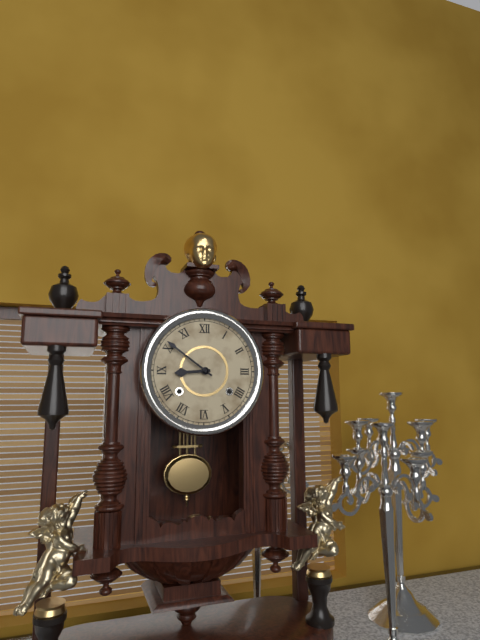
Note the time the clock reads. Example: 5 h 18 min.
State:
8 h 51 min
